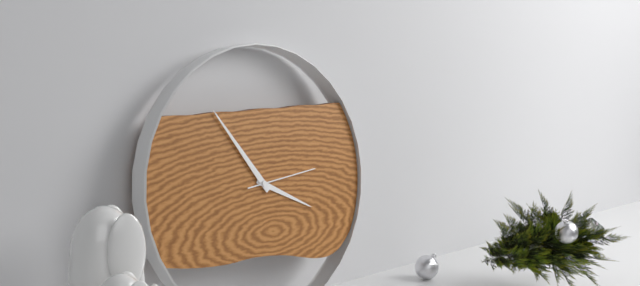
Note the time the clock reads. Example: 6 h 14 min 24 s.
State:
3 h 54 min 14 s
